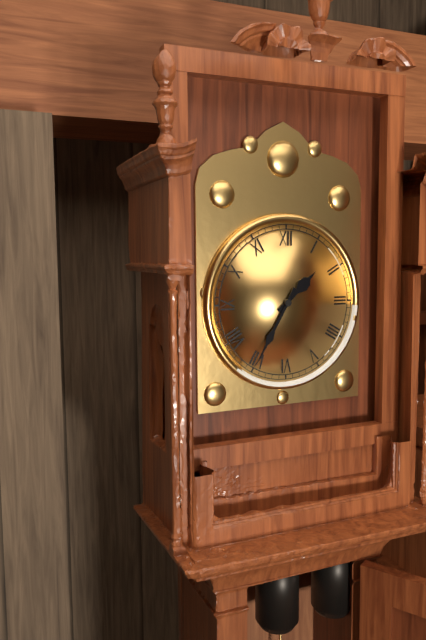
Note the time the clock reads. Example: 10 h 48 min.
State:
1 h 35 min
